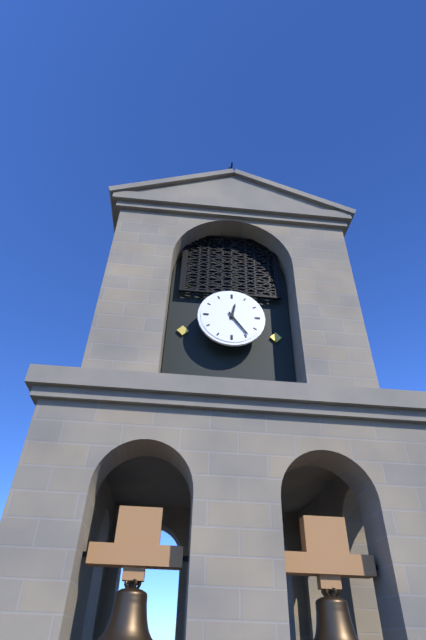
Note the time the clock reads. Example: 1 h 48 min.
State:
12 h 24 min
